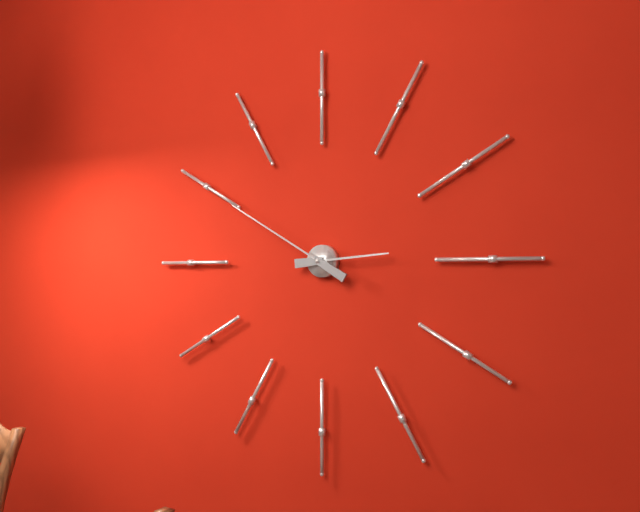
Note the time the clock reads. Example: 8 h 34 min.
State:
2 h 50 min
